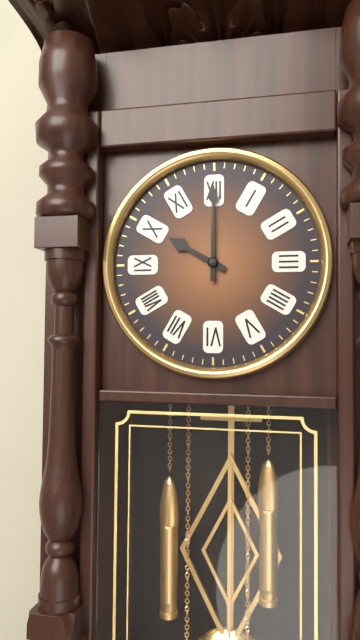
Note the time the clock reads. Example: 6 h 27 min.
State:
10 h 00 min
